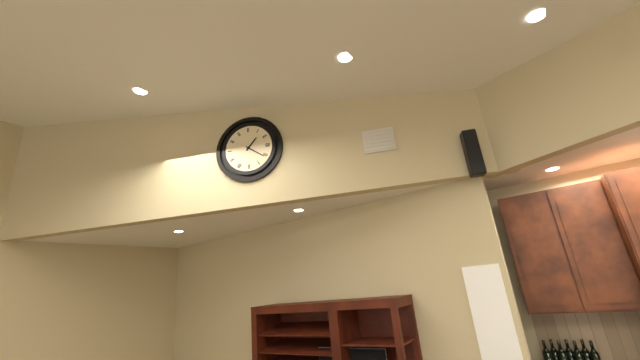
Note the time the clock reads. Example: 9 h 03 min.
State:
1 h 21 min
